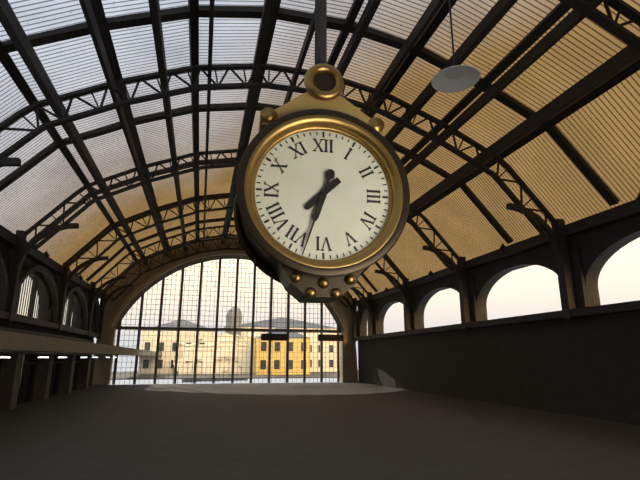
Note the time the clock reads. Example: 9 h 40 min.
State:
7 h 33 min
